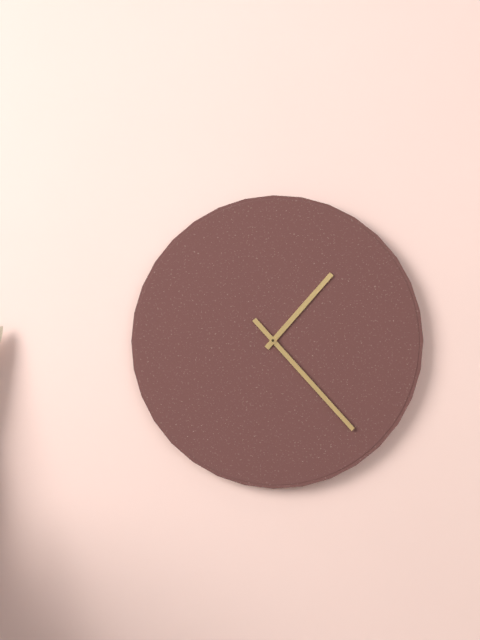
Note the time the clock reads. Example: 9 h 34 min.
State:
1 h 23 min
